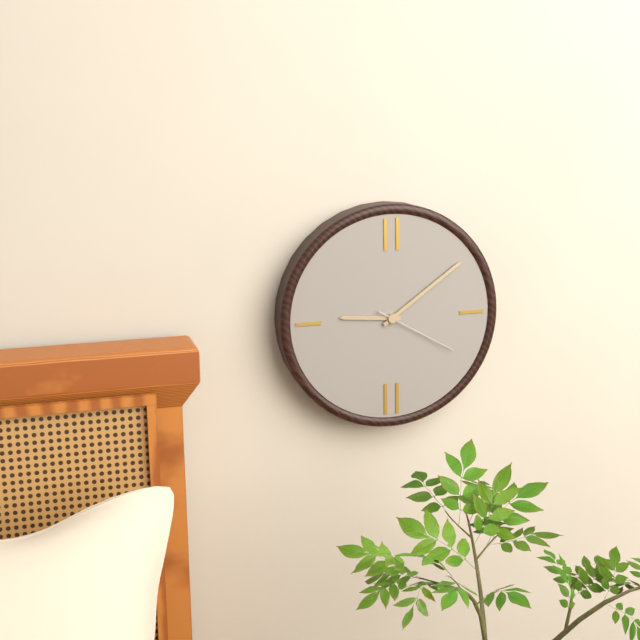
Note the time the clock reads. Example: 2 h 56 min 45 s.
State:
9 h 09 min 20 s
